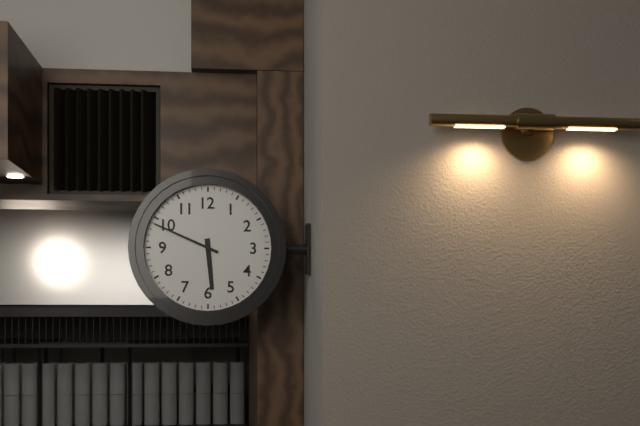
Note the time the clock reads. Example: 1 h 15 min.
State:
5 h 49 min
